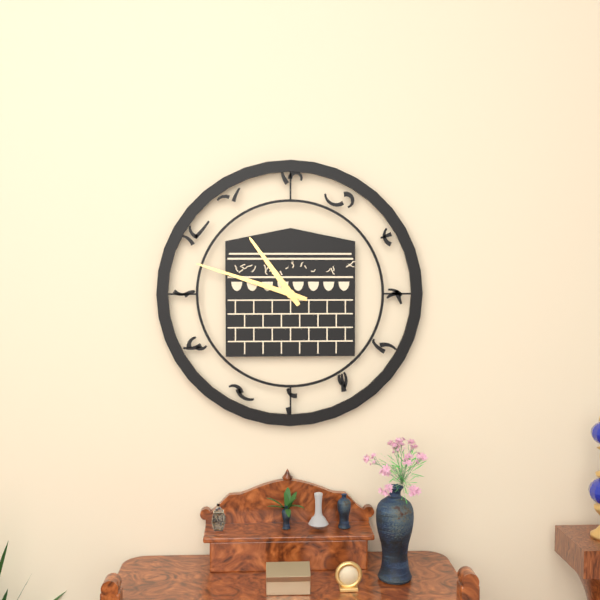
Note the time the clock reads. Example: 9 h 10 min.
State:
10 h 48 min
